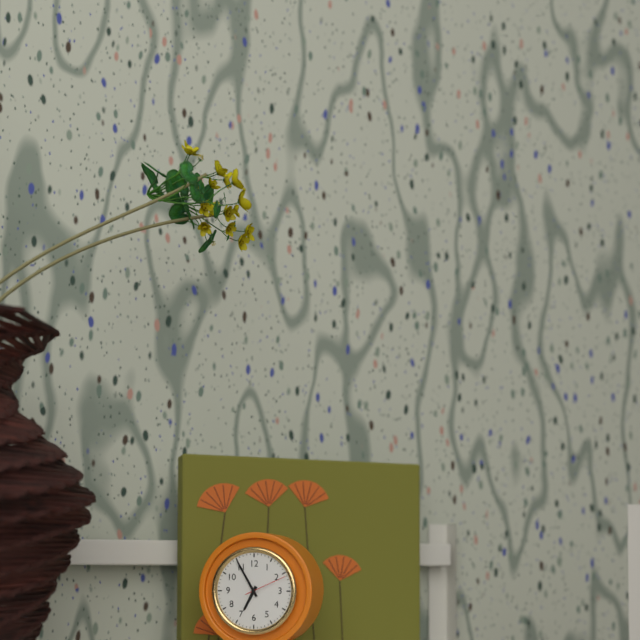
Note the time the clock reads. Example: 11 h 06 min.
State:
6 h 55 min
